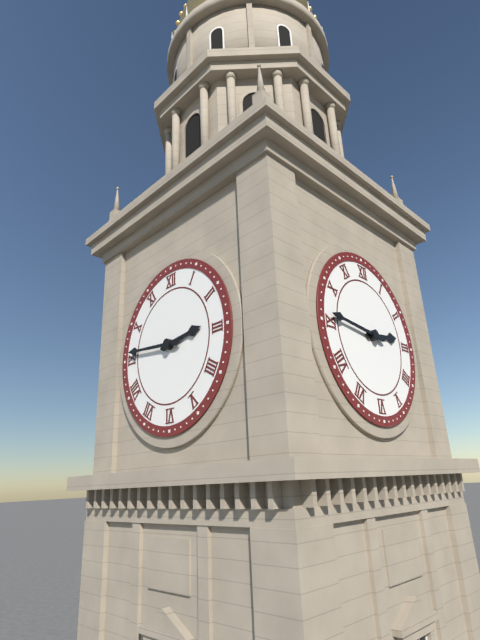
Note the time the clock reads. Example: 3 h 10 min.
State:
2 h 46 min
